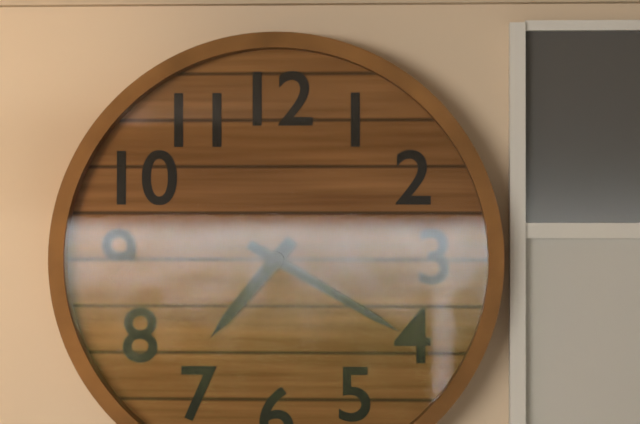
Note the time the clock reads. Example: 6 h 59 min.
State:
7 h 20 min
